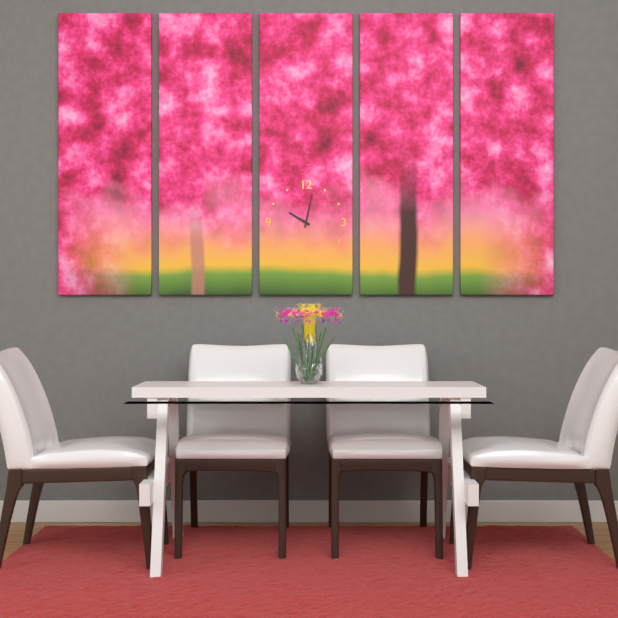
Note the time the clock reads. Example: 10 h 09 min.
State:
10 h 02 min
